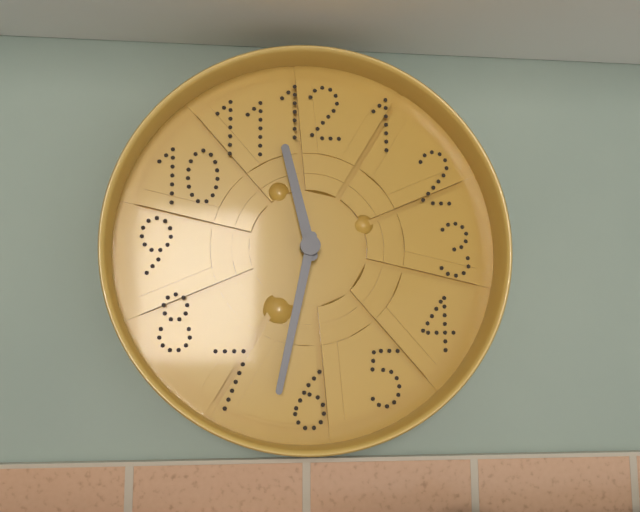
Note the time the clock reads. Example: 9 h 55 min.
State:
11 h 32 min
